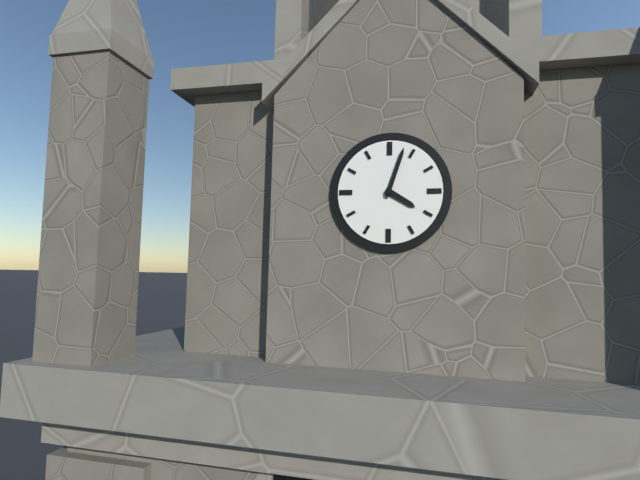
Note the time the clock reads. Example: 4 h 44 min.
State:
4 h 03 min
